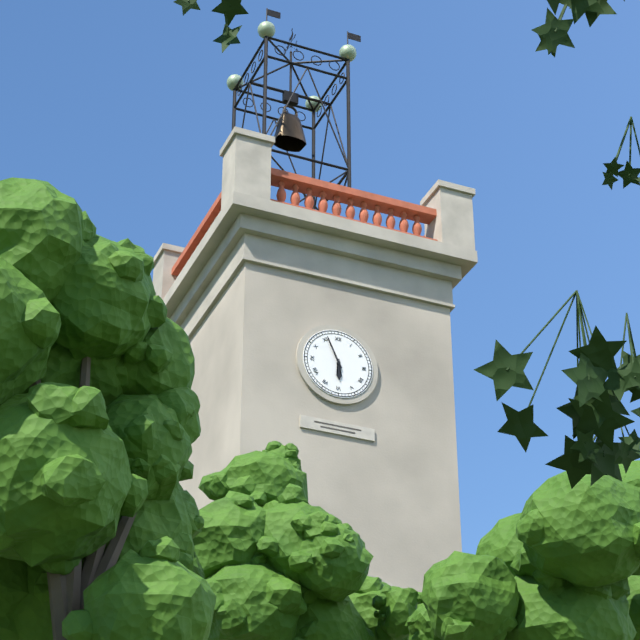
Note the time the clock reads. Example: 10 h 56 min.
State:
5 h 56 min
